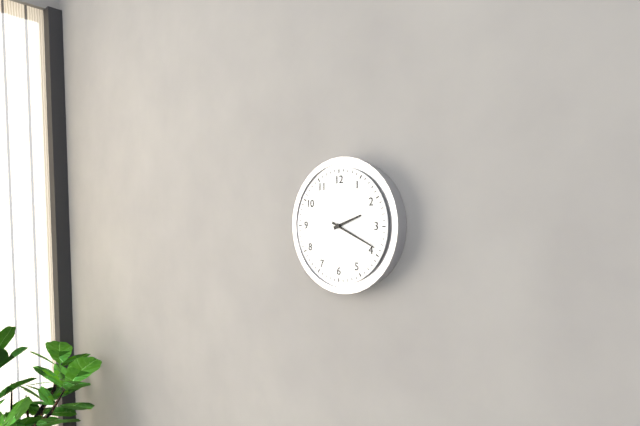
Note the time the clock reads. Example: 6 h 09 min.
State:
2 h 19 min
